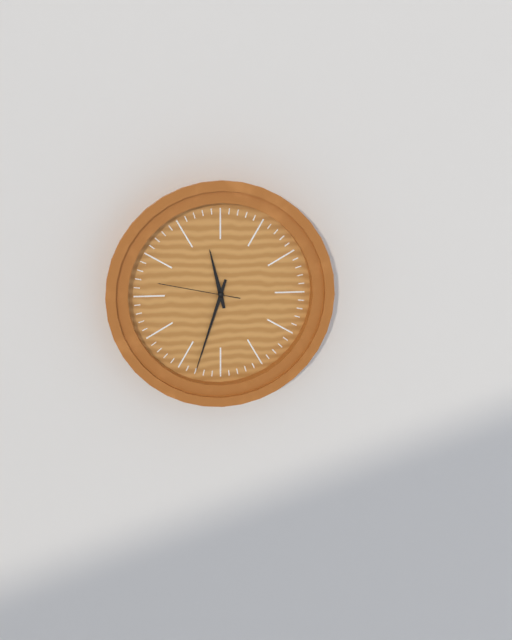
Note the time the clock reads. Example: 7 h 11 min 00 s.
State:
11 h 33 min 47 s
